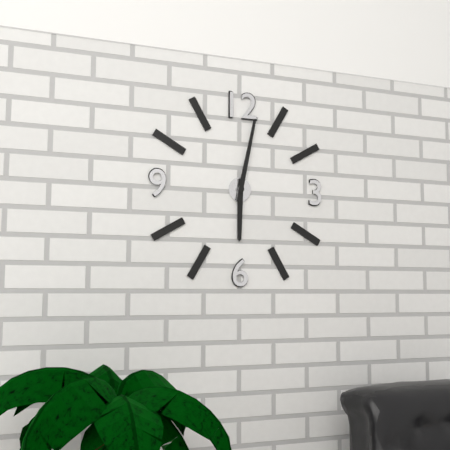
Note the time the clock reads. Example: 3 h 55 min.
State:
6 h 02 min
